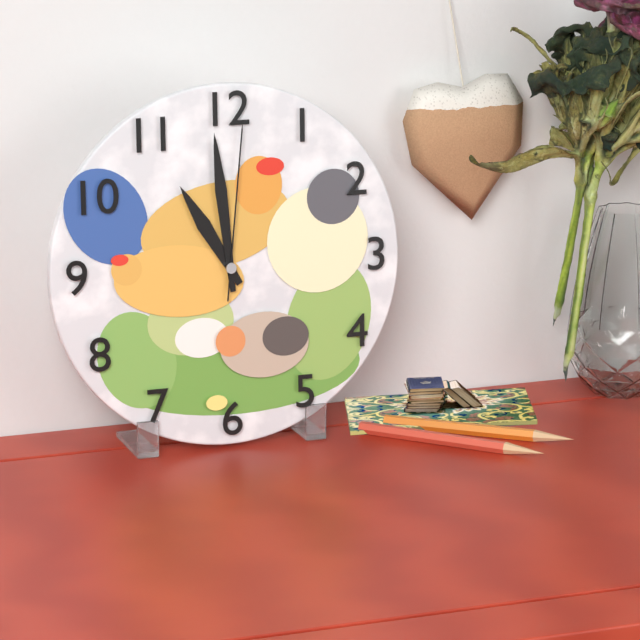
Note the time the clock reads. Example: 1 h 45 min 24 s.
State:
10 h 59 min 01 s
